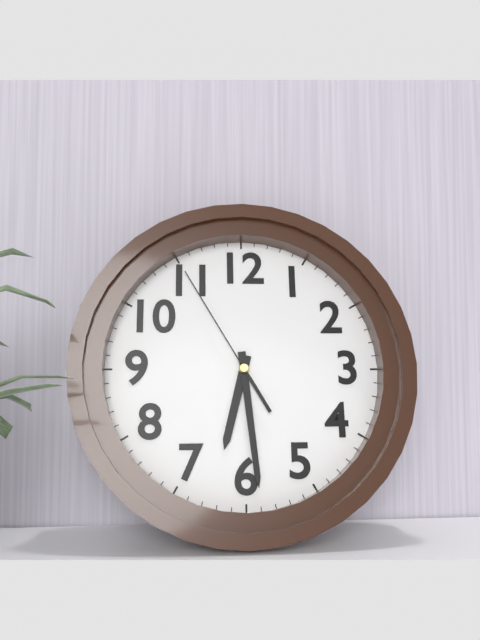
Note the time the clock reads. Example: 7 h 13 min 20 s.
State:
6 h 29 min 55 s
